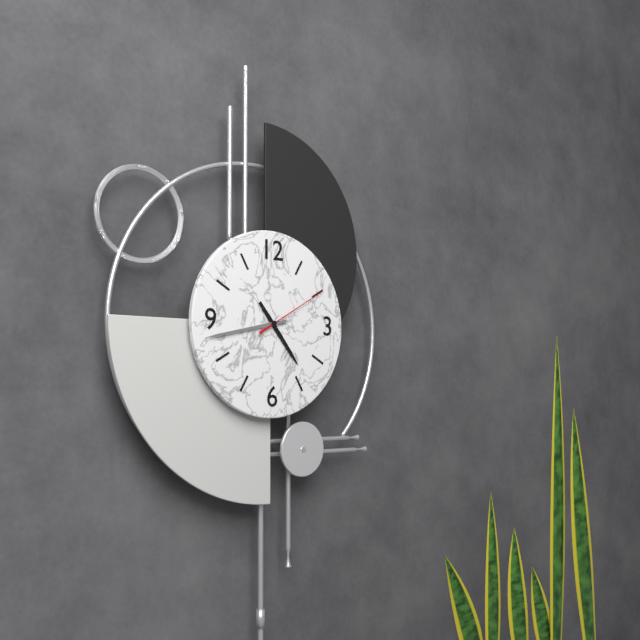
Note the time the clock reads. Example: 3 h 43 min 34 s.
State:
4 h 43 min 10 s
